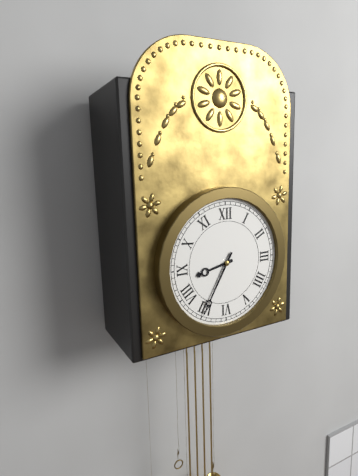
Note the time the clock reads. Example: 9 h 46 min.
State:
8 h 35 min
